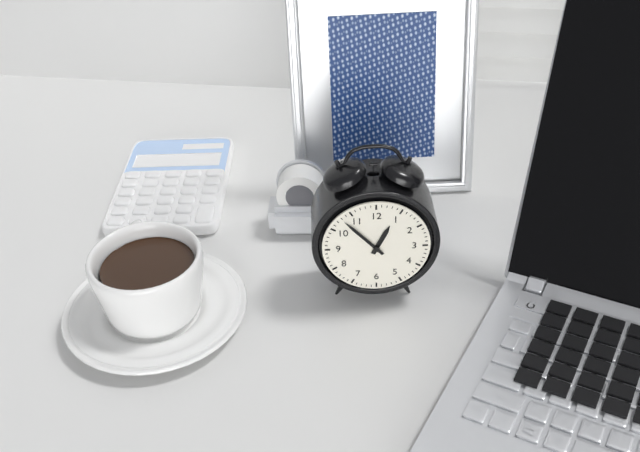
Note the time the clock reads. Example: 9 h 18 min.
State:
12 h 53 min
